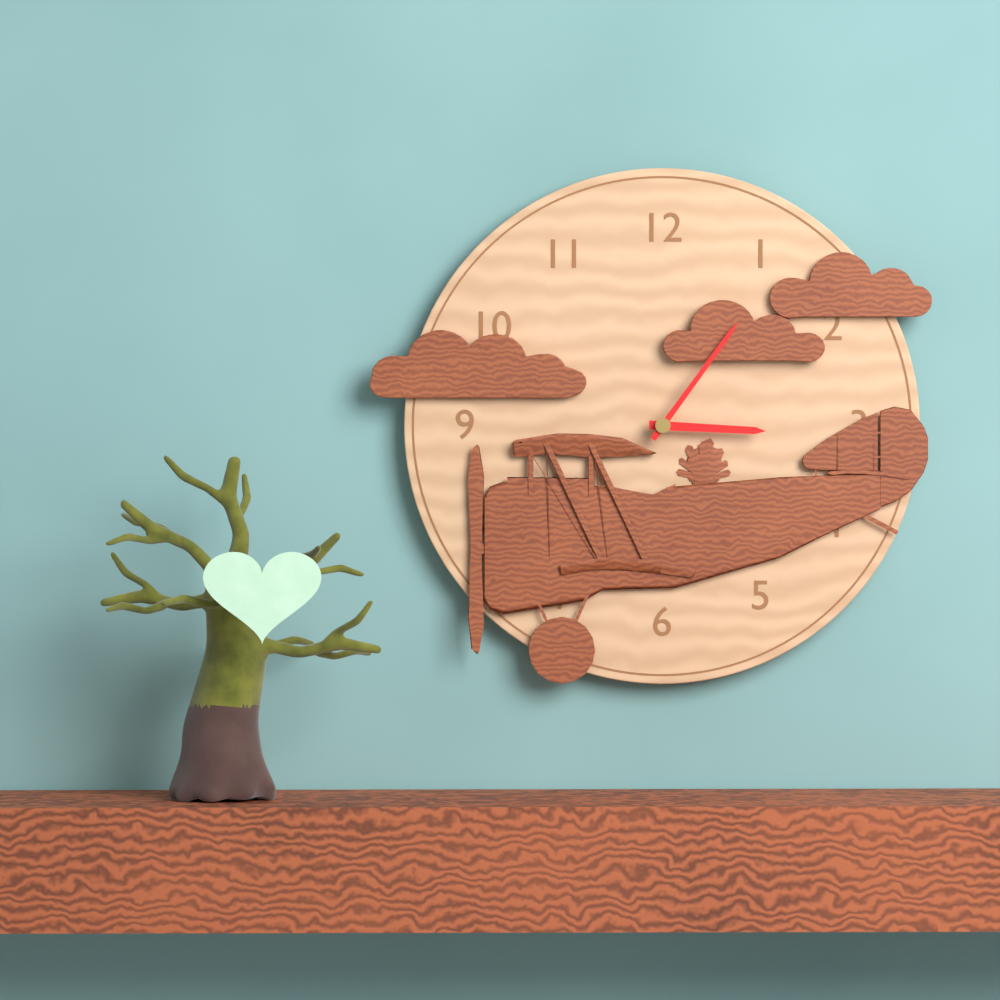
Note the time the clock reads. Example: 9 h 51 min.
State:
3 h 06 min
